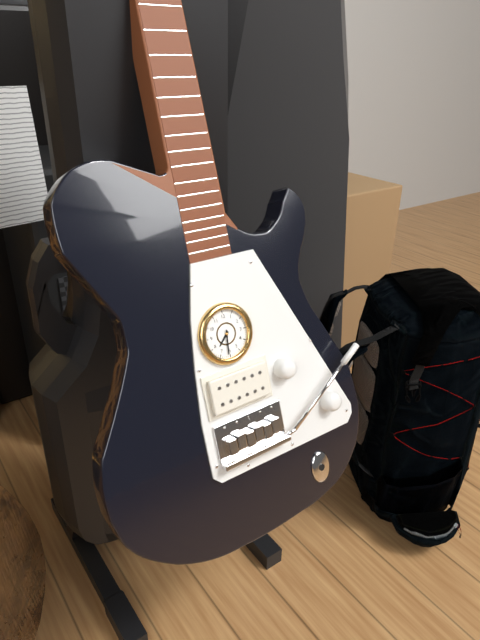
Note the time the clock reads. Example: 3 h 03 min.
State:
7 h 31 min
